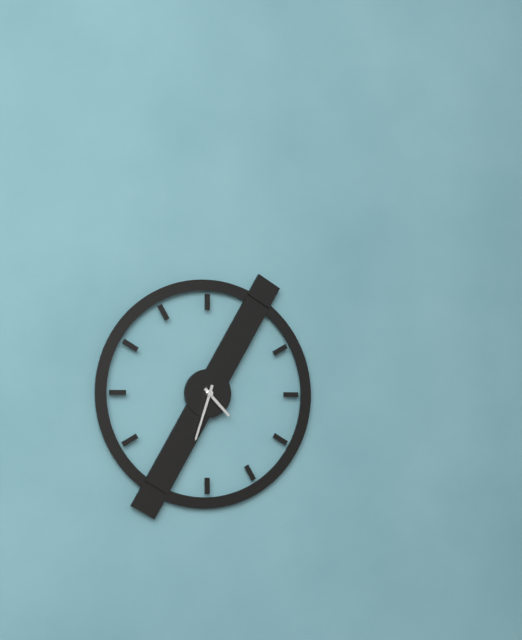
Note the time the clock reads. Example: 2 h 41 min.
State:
4 h 33 min
